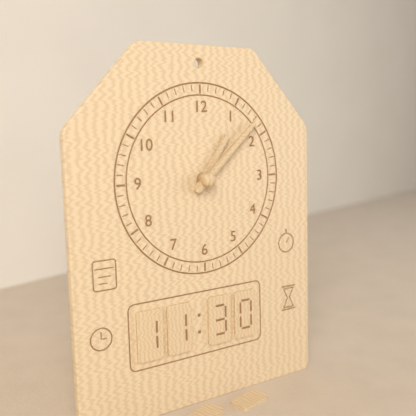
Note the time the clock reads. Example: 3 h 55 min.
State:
1 h 08 min
